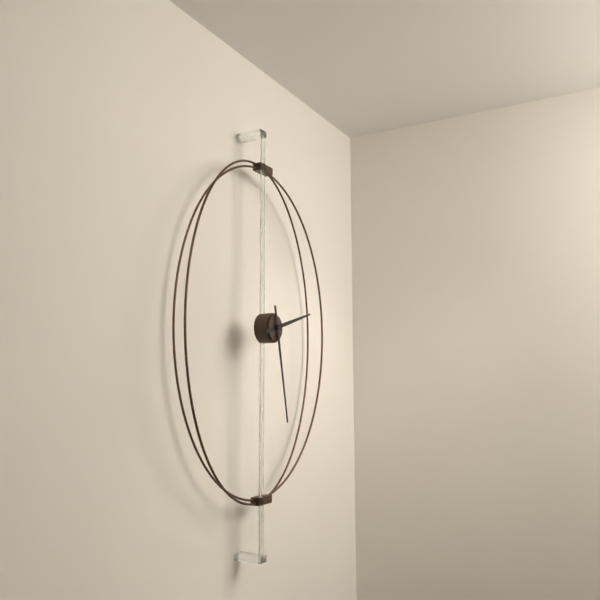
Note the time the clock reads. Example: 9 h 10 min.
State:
2 h 28 min
